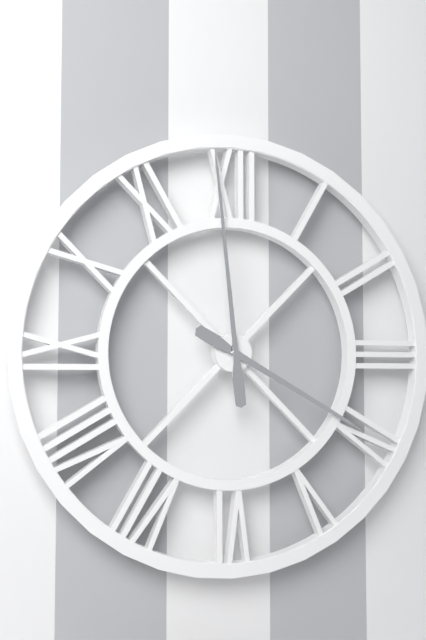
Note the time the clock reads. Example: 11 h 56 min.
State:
3 h 59 min
